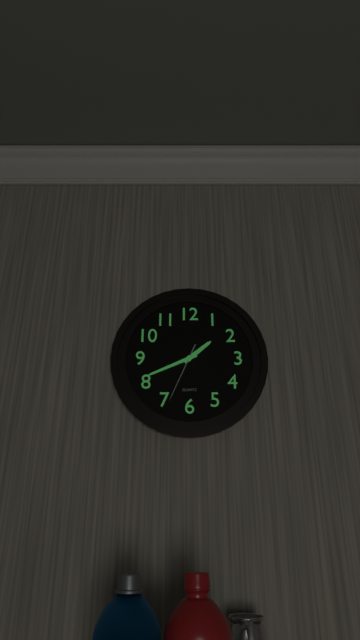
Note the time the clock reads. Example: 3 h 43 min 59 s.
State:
1 h 41 min 34 s
